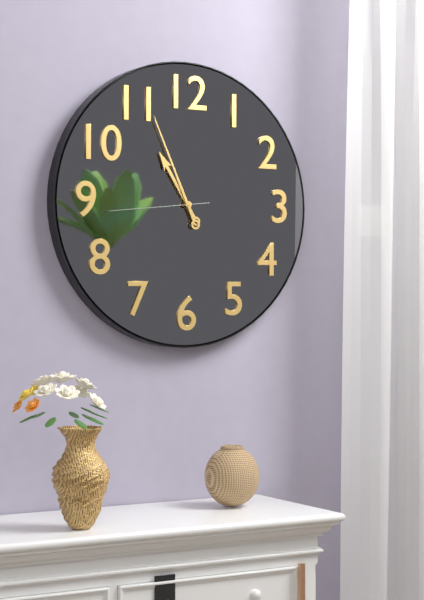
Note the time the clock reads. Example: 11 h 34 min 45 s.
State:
10 h 56 min 44 s
